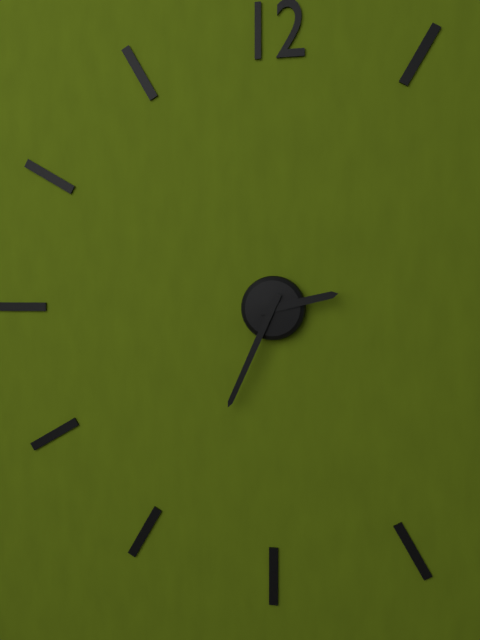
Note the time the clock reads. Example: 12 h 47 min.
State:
2 h 34 min
